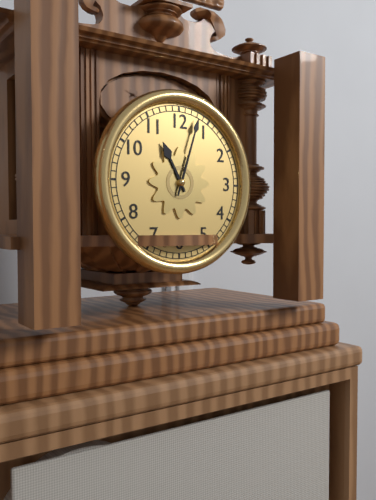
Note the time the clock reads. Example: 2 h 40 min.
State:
11 h 03 min
